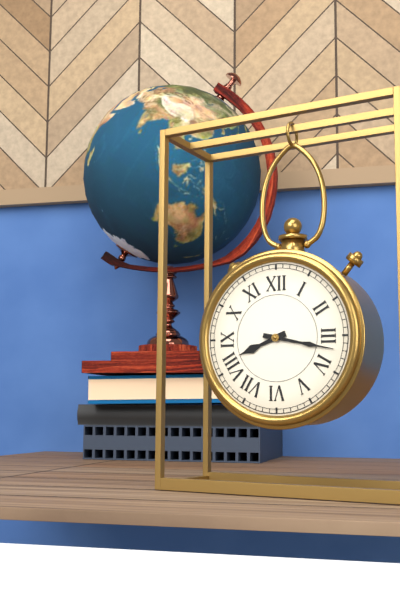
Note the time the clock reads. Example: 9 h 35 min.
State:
8 h 17 min
